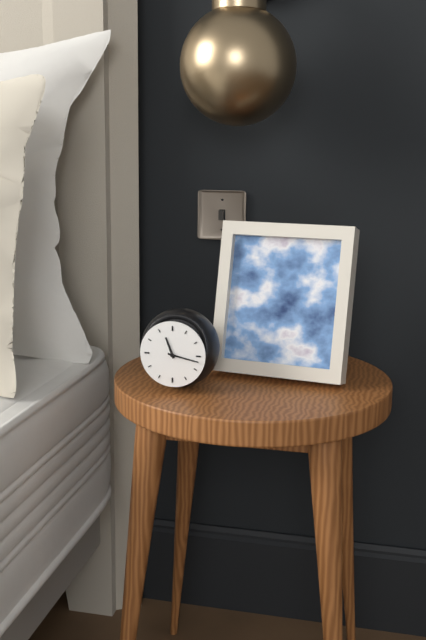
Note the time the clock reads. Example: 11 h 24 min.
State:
11 h 17 min
